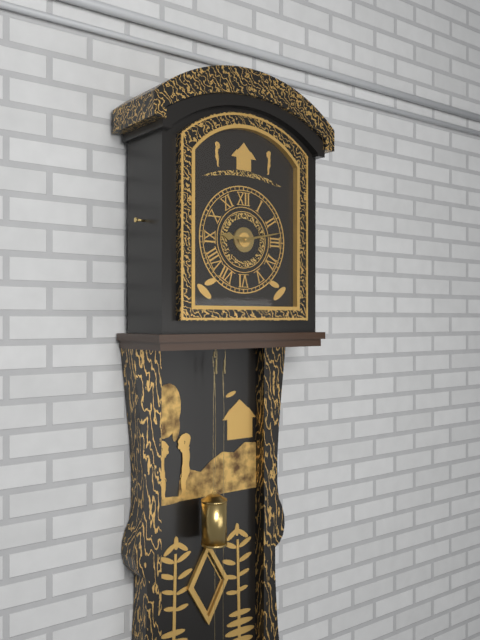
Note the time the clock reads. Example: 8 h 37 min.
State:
9 h 13 min
